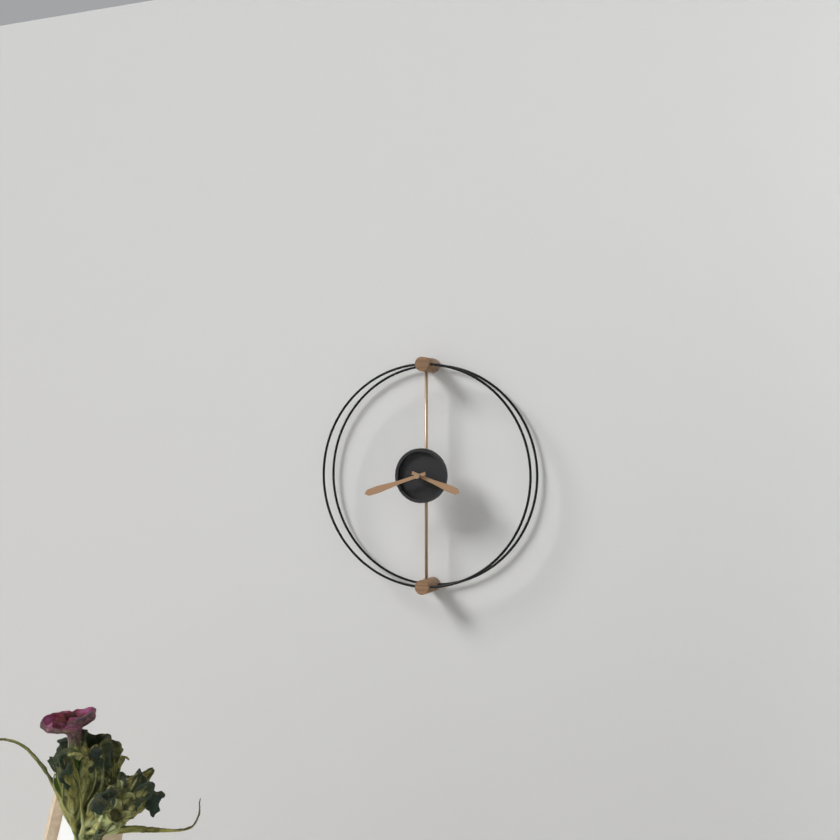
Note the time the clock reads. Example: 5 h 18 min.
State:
3 h 42 min
